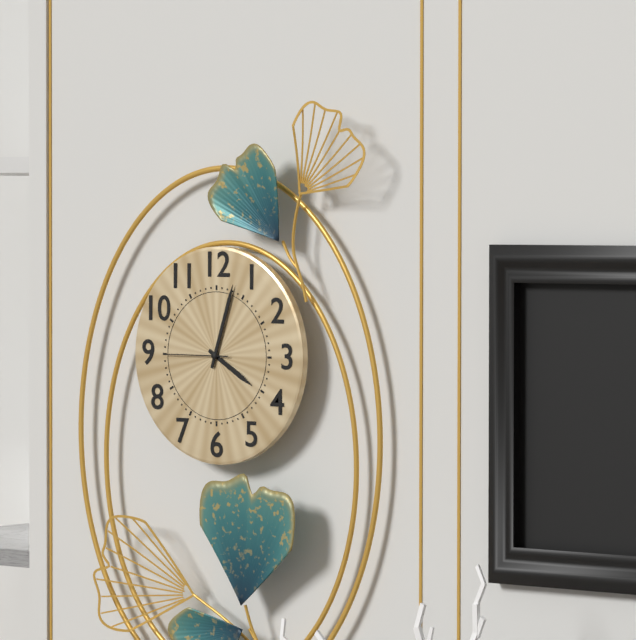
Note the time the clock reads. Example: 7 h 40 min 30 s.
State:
4 h 03 min 45 s
